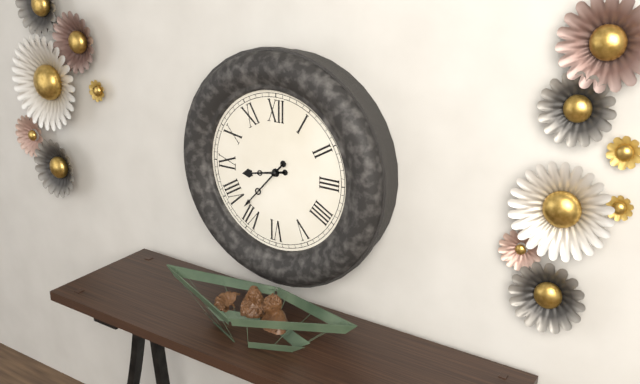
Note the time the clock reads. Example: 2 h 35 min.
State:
8 h 37 min
